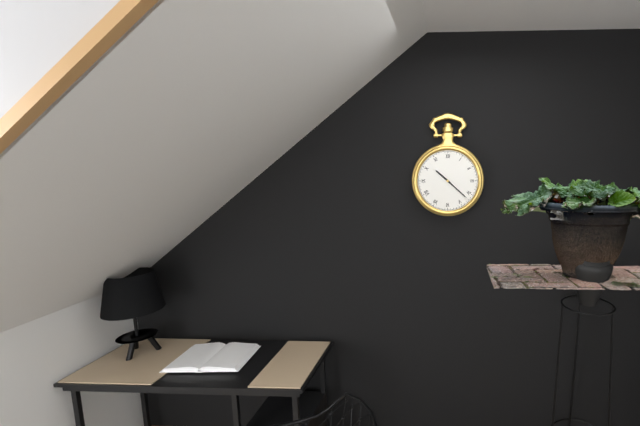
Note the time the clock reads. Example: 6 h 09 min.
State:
10 h 22 min
